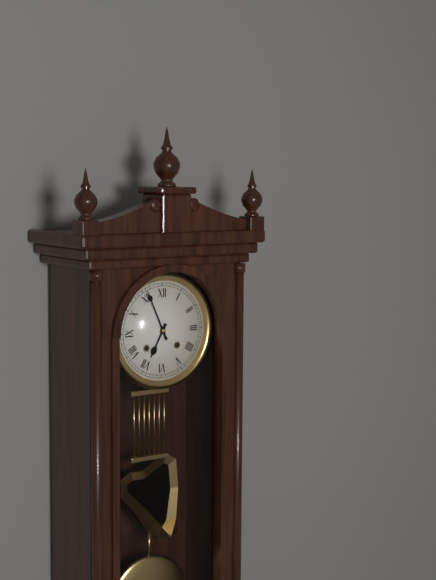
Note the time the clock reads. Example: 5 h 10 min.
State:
6 h 56 min
